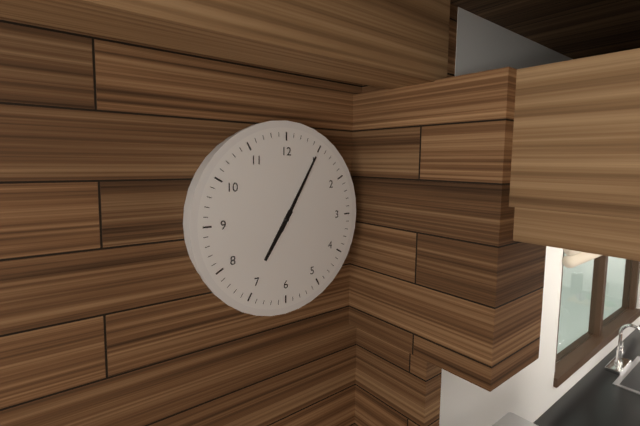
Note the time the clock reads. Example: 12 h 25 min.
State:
7 h 05 min
